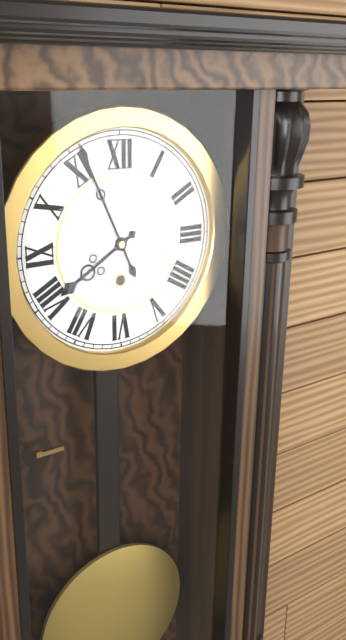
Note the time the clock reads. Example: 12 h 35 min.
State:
7 h 56 min
